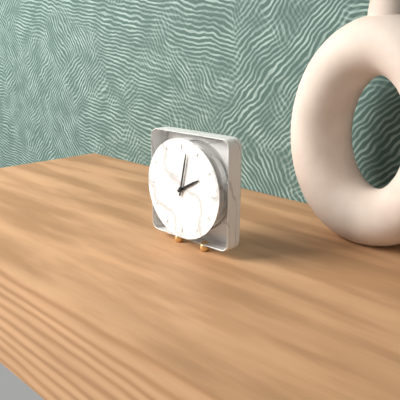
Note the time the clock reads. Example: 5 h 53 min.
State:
2 h 02 min
